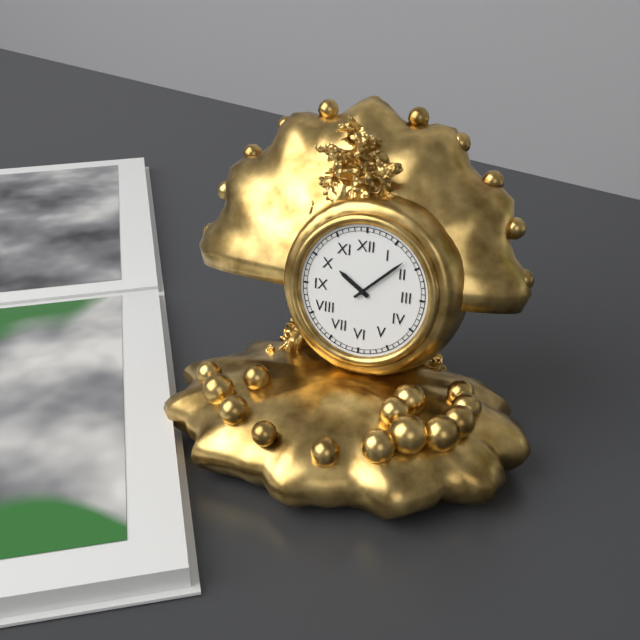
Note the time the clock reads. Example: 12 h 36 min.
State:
10 h 08 min
